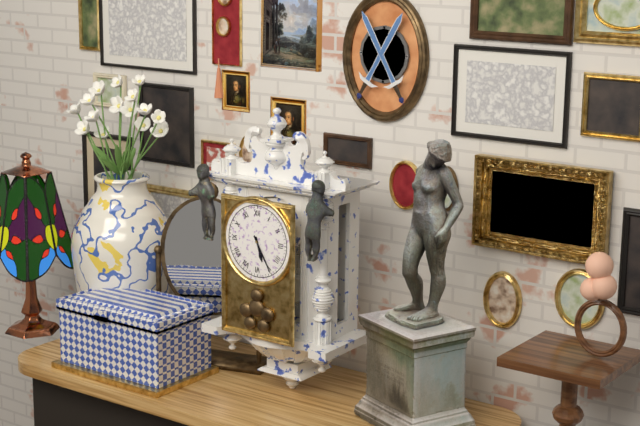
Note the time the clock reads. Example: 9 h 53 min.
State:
5 h 25 min
